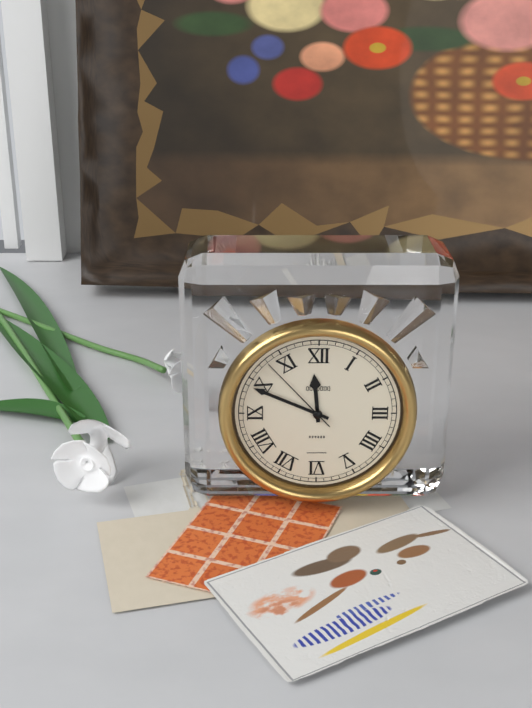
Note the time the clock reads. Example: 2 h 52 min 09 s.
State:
11 h 49 min 53 s
